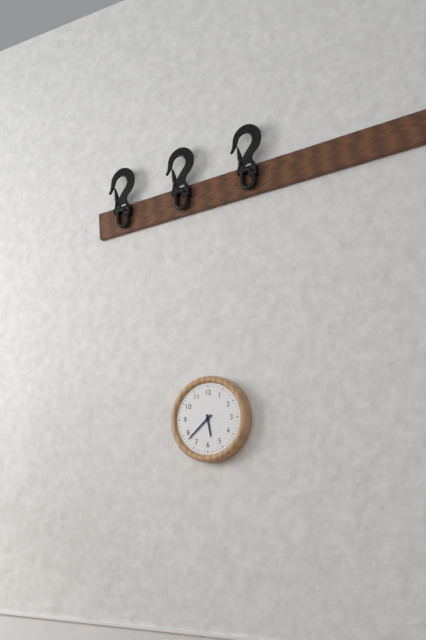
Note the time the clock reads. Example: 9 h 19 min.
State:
5 h 38 min
